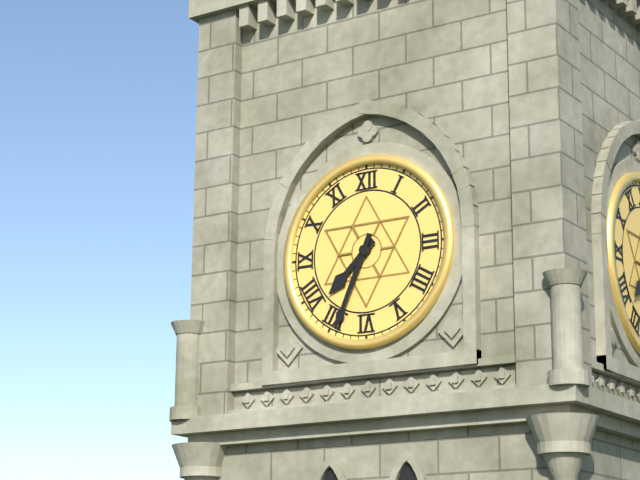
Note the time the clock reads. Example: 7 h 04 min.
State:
7 h 34 min
